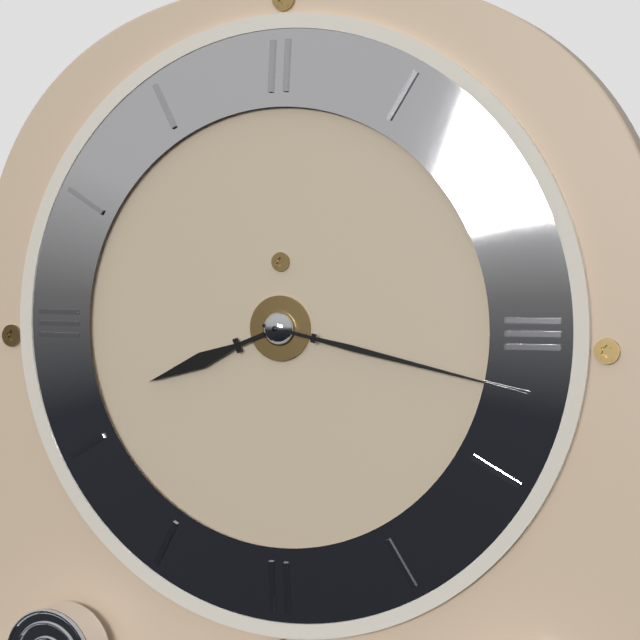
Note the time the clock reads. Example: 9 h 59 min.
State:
8 h 17 min
